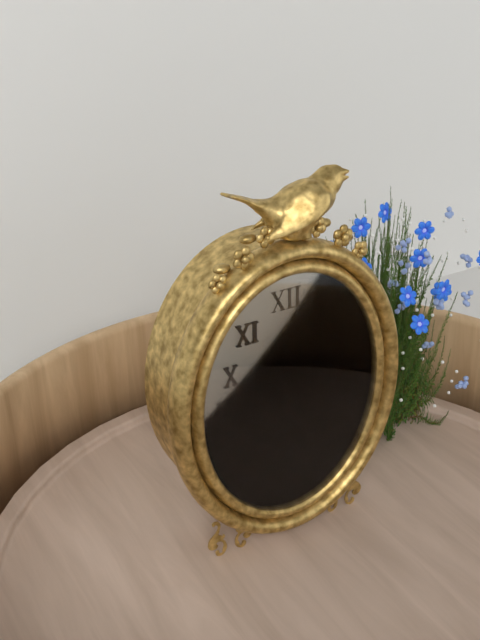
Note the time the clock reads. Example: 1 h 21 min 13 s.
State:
1 h 01 min 02 s
